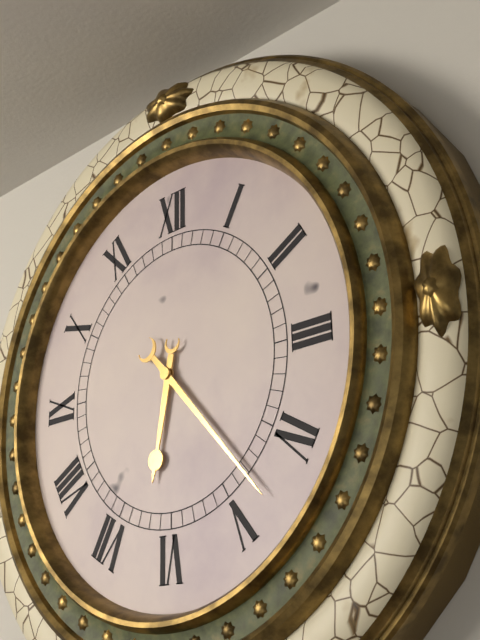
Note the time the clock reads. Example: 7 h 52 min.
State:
6 h 23 min
